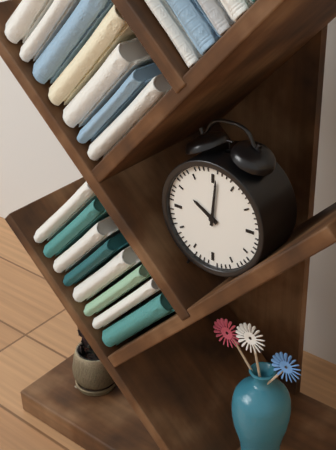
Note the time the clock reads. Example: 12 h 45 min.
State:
10 h 01 min
